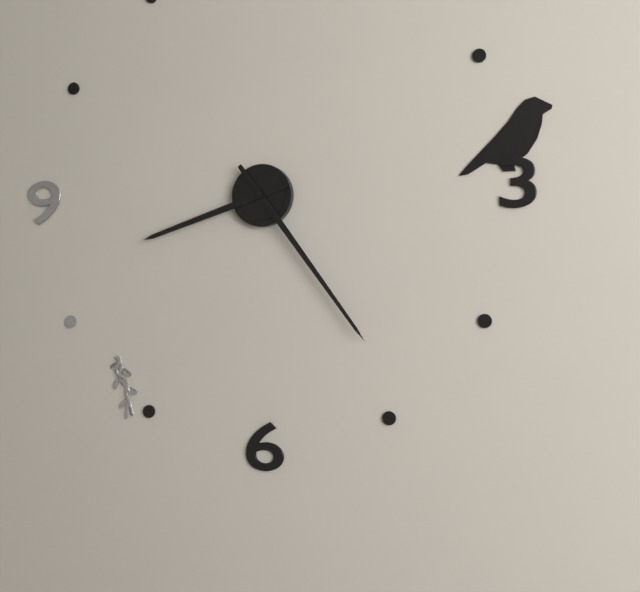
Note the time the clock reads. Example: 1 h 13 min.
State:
8 h 24 min
